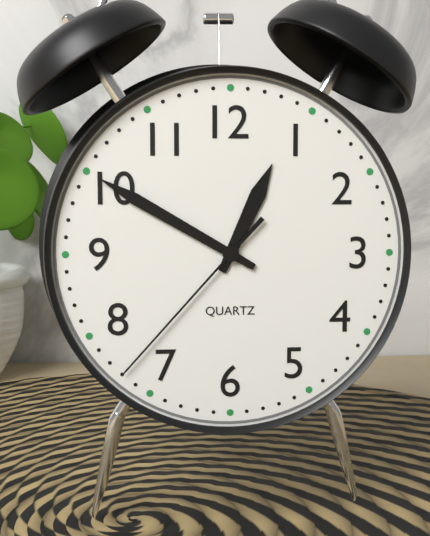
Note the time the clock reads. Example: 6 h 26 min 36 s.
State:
12 h 50 min 37 s
